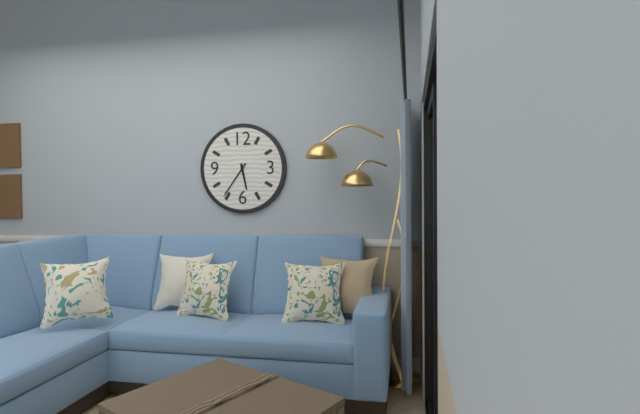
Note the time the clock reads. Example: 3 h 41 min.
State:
5 h 36 min
